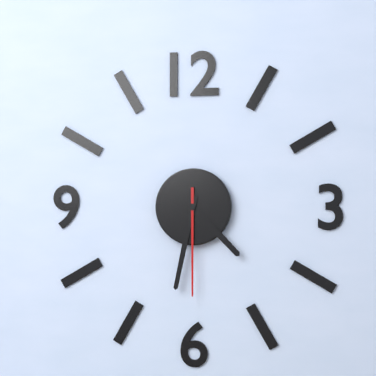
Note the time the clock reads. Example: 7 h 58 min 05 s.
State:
4 h 32 min 30 s
